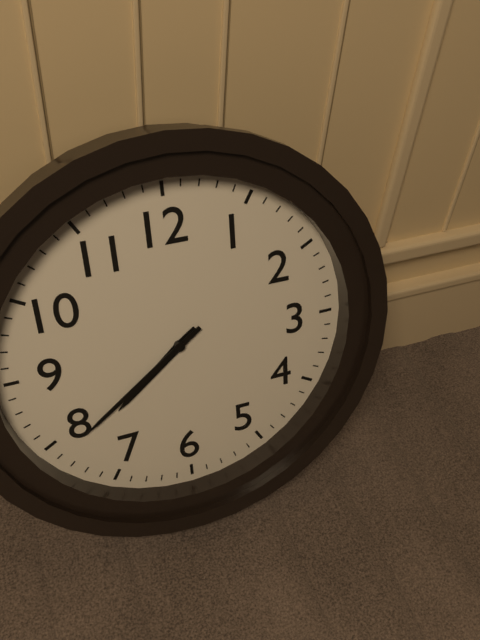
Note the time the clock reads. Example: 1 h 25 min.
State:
7 h 39 min
